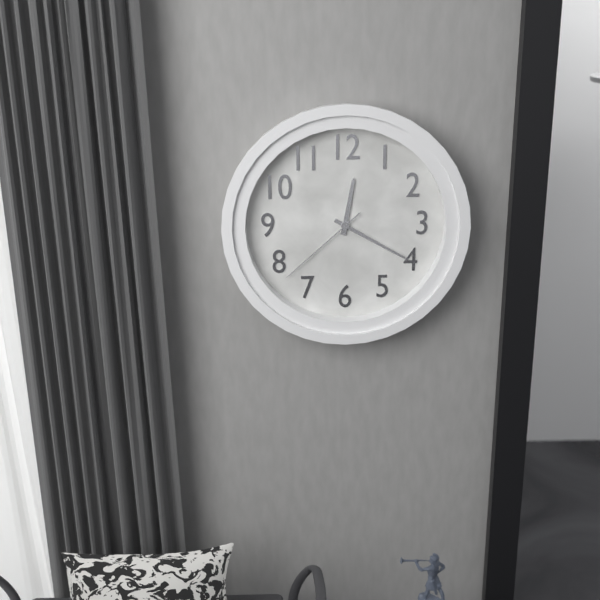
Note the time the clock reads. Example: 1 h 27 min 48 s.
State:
12 h 20 min 38 s
